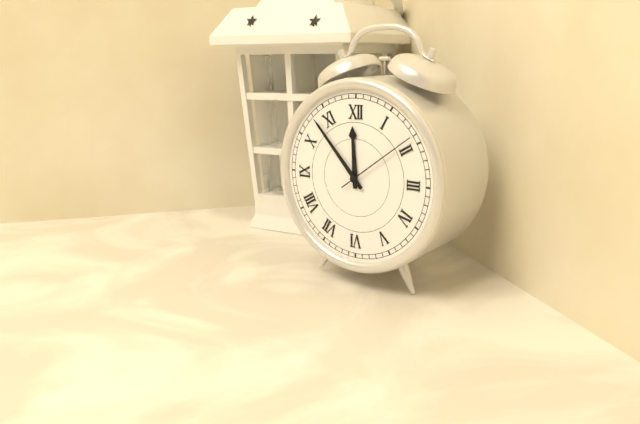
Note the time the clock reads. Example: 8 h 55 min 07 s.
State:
11 h 53 min 09 s
